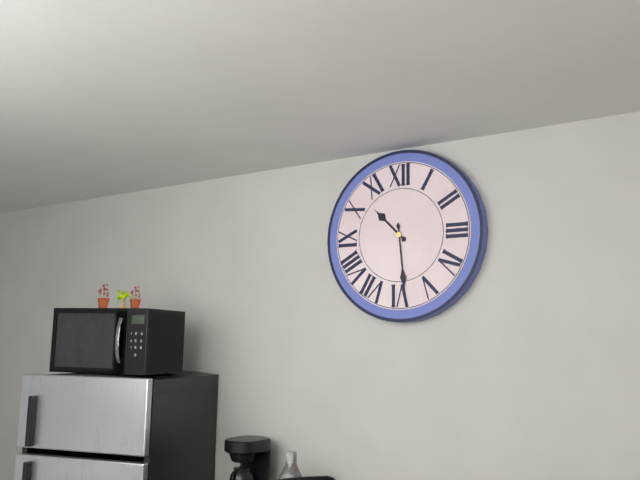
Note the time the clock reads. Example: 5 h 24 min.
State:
10 h 29 min
